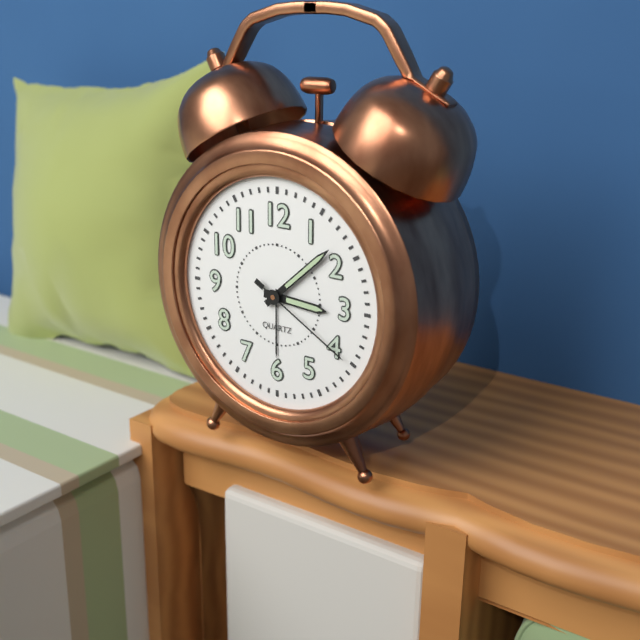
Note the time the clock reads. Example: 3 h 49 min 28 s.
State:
3 h 08 min 20 s
